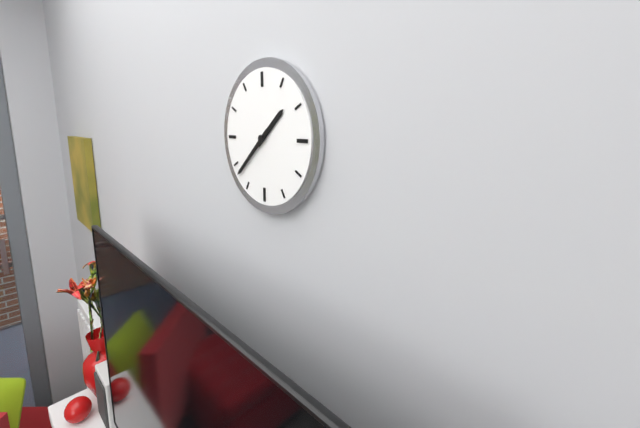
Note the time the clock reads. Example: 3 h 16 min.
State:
1 h 38 min
